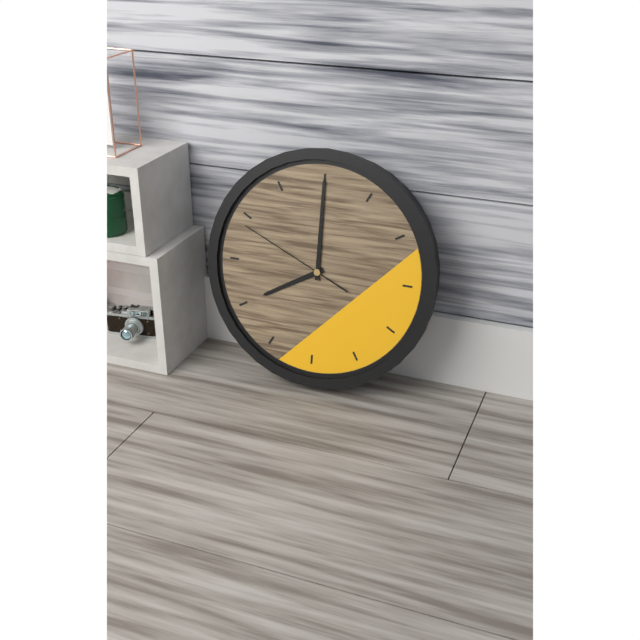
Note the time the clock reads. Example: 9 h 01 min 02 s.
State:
8 h 00 min 49 s
